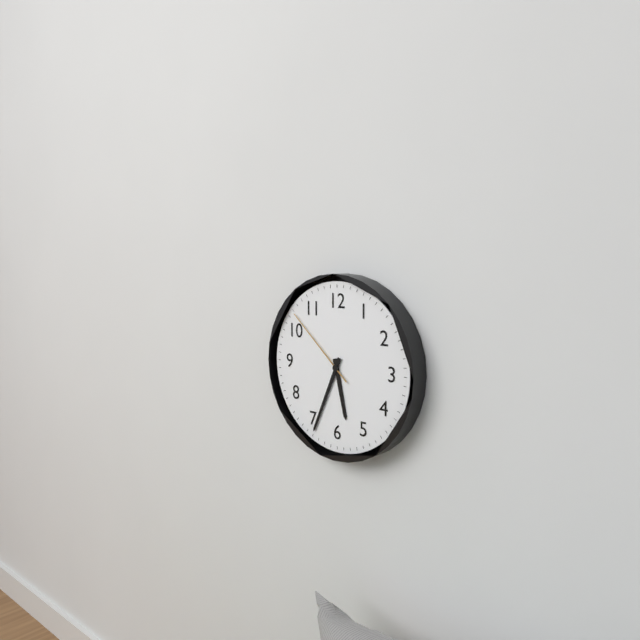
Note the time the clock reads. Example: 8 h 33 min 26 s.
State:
5 h 34 min 52 s
